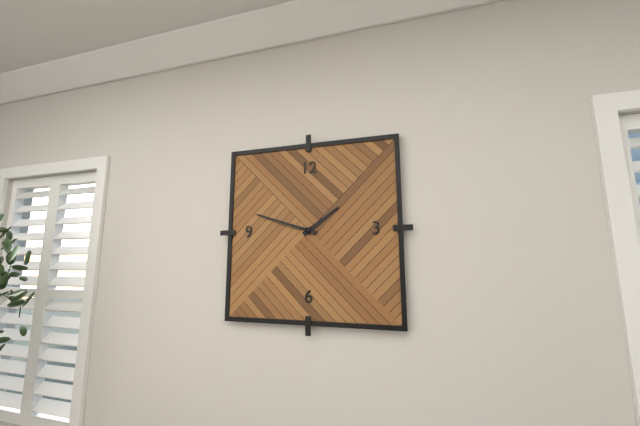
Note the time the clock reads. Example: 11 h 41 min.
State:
1 h 48 min
